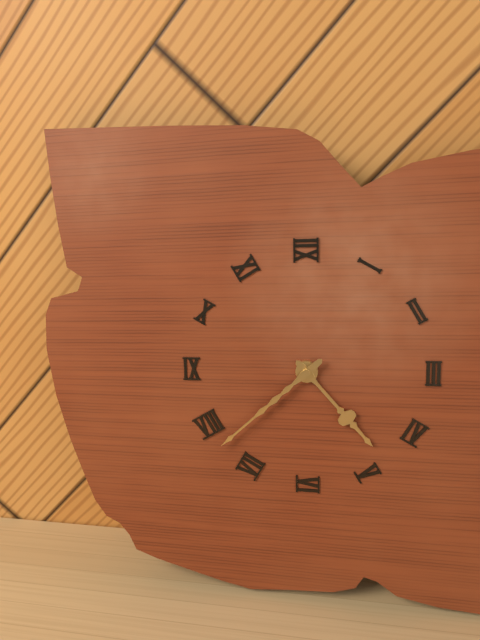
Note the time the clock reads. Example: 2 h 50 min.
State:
4 h 38 min
